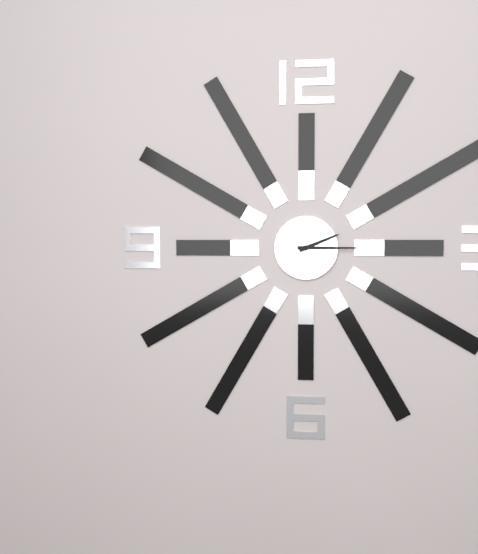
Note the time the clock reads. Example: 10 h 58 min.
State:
2 h 15 min
